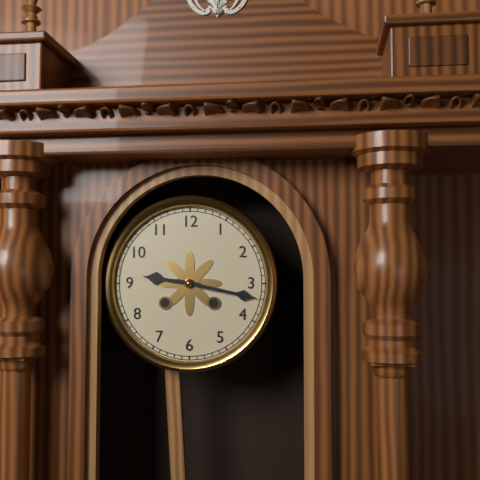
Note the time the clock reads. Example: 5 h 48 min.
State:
9 h 17 min
